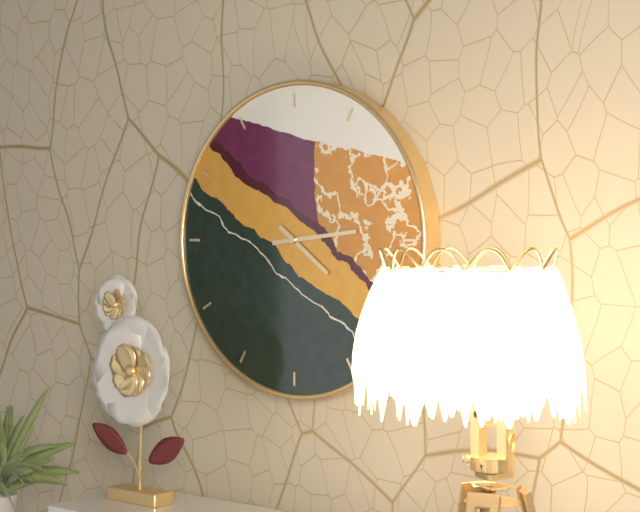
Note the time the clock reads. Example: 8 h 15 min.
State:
4 h 14 min
